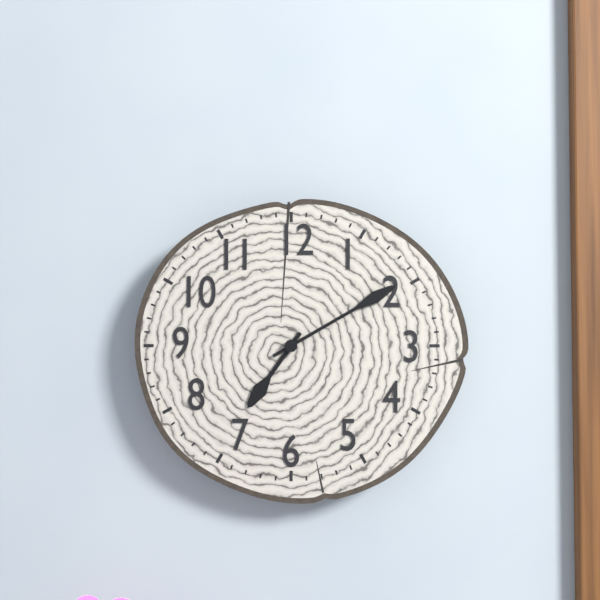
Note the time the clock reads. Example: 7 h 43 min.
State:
7 h 10 min
